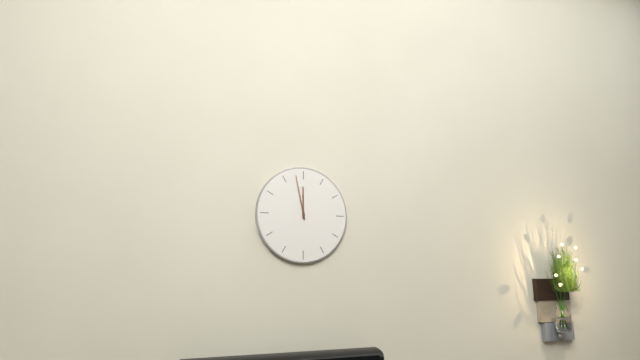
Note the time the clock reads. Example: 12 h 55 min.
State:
11 h 58 min
